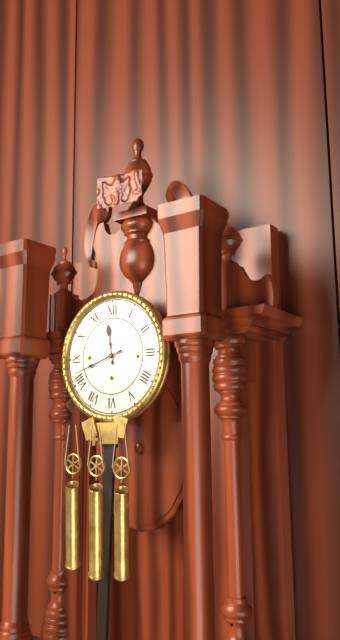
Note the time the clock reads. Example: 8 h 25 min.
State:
11 h 42 min
